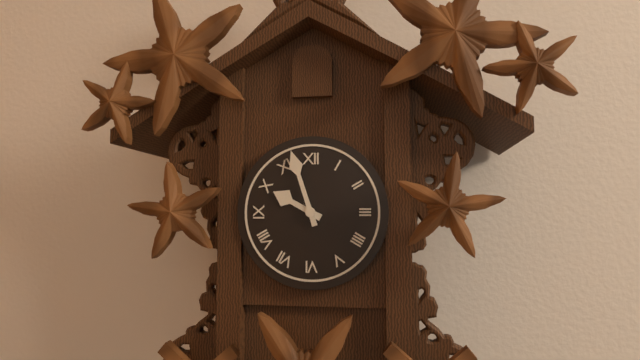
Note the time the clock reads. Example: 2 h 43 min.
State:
9 h 57 min
